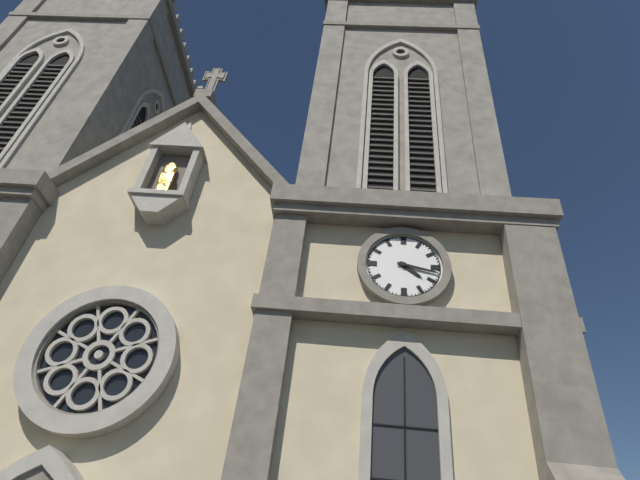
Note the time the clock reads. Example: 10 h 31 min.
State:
4 h 17 min
